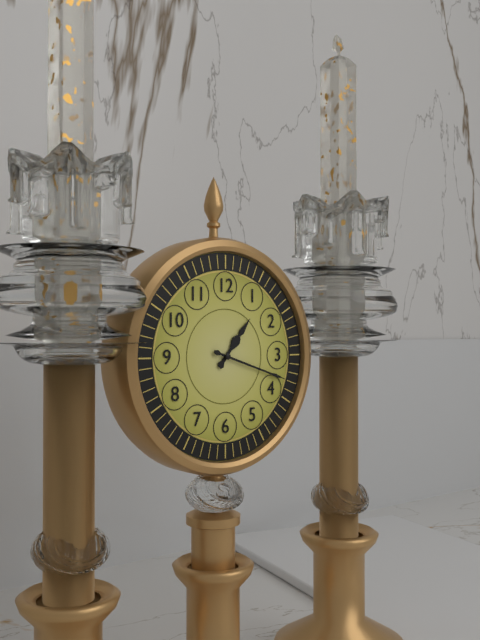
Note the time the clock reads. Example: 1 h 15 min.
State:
1 h 18 min
